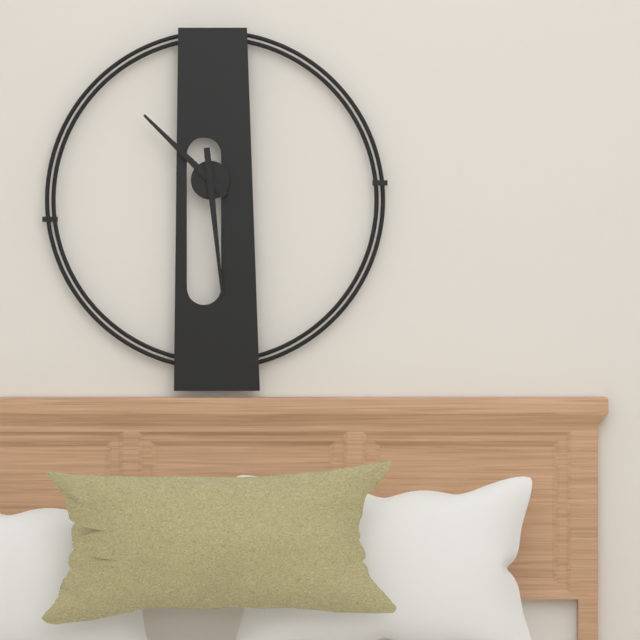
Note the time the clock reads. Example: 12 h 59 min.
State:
10 h 29 min
